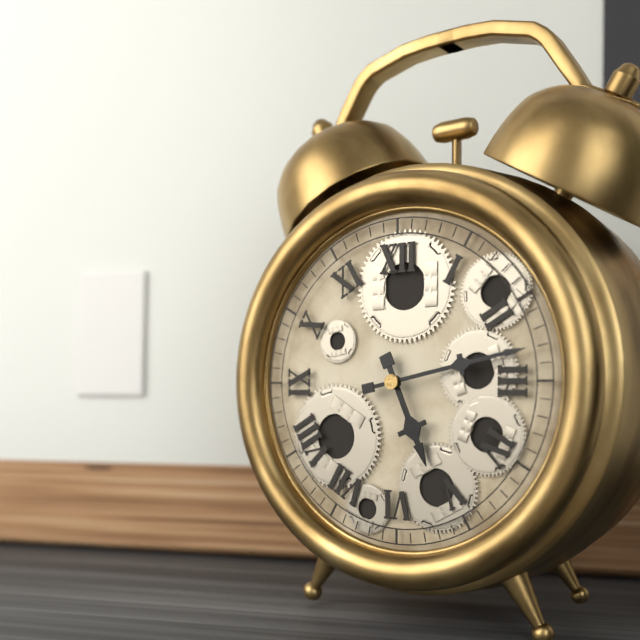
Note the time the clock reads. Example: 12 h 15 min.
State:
5 h 13 min
